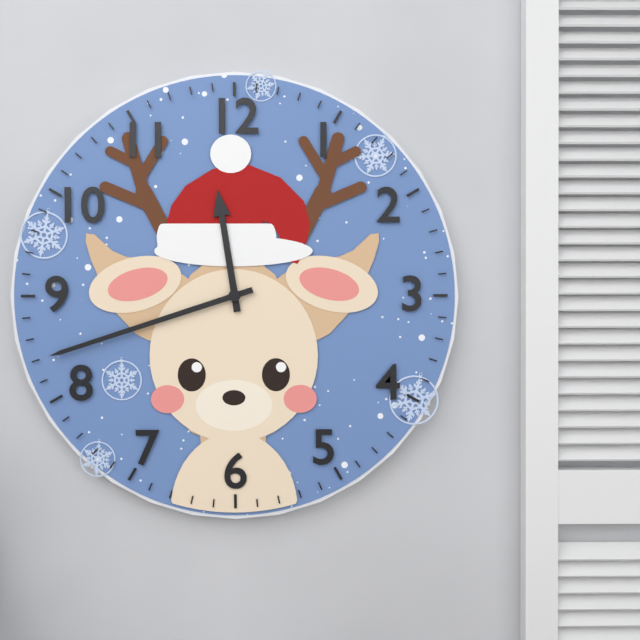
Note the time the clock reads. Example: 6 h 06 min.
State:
11 h 42 min
